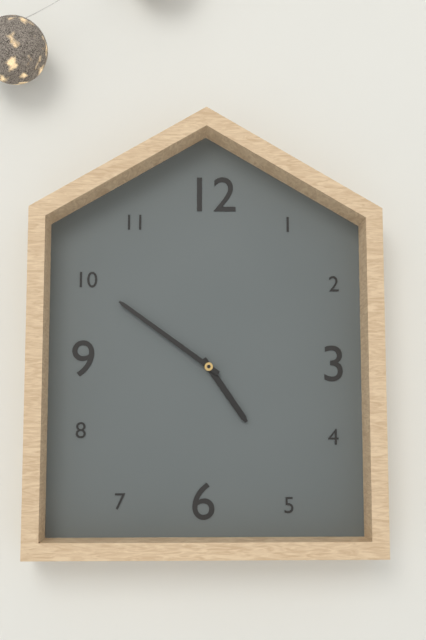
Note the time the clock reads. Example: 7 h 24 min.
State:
4 h 51 min
